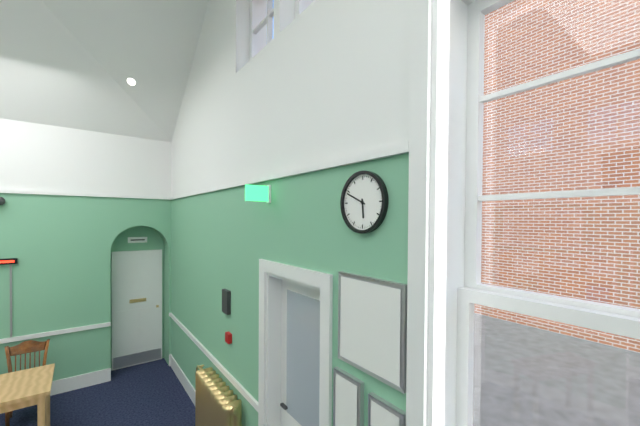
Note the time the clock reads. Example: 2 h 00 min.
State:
5 h 49 min
